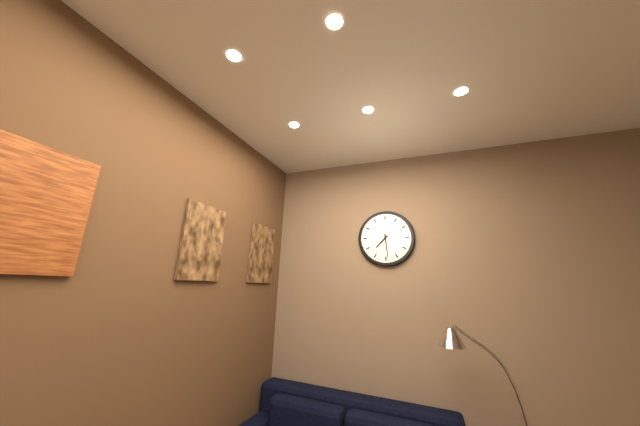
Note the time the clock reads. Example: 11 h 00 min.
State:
7 h 29 min
